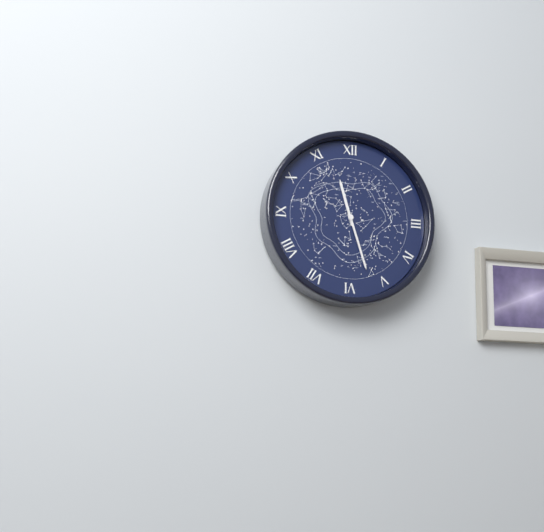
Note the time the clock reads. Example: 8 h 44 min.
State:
11 h 27 min
